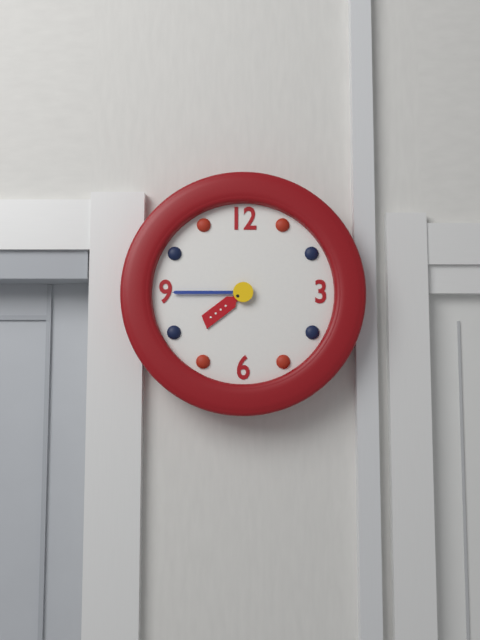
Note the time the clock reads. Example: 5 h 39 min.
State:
7 h 45 min
